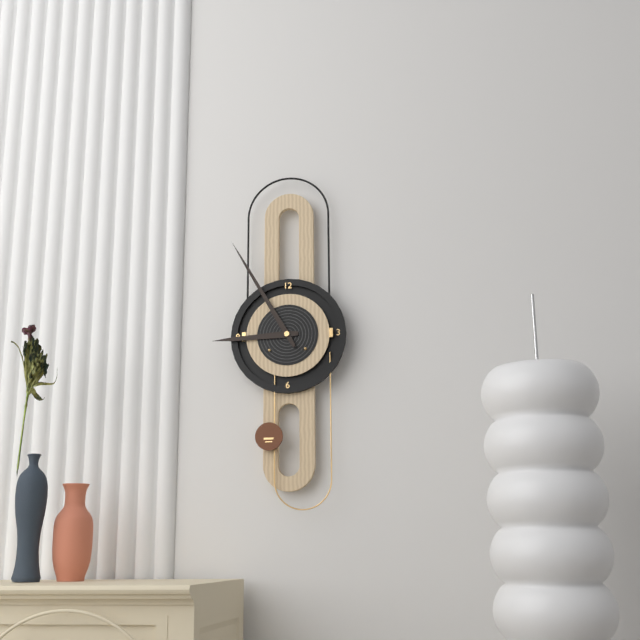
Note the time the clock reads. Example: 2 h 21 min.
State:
8 h 55 min
